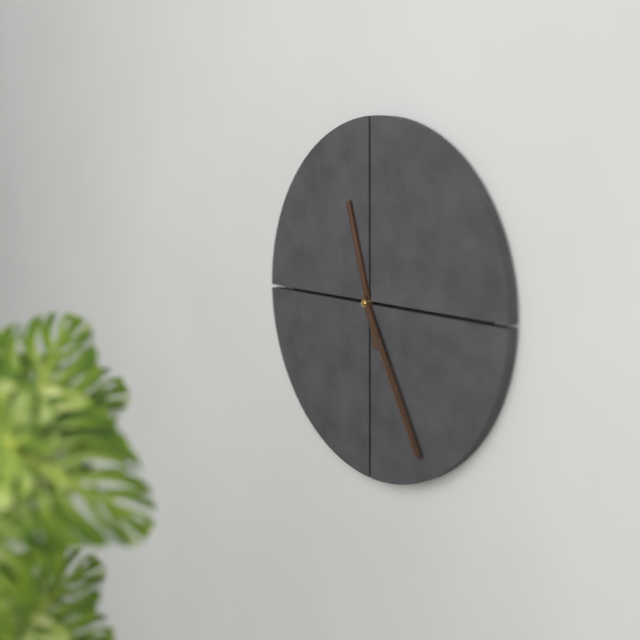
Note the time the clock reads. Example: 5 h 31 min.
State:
11 h 25 min
